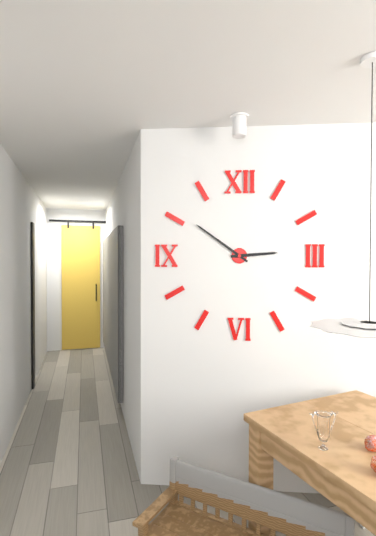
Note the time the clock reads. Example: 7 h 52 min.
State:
2 h 51 min
